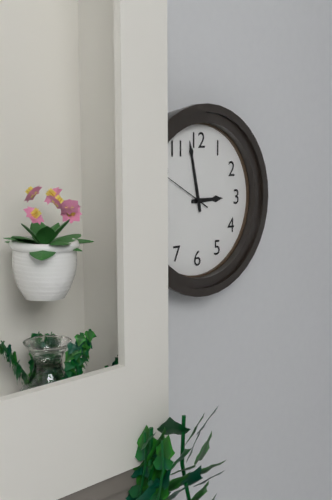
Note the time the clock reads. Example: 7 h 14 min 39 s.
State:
2 h 58 min 50 s
